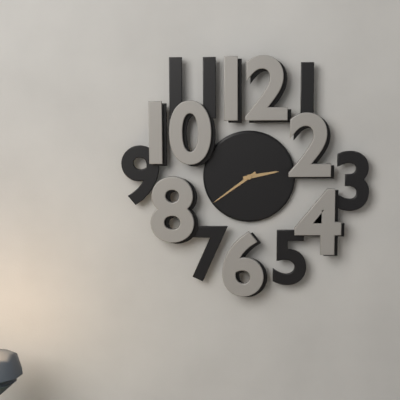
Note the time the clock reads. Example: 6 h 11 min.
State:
2 h 39 min
